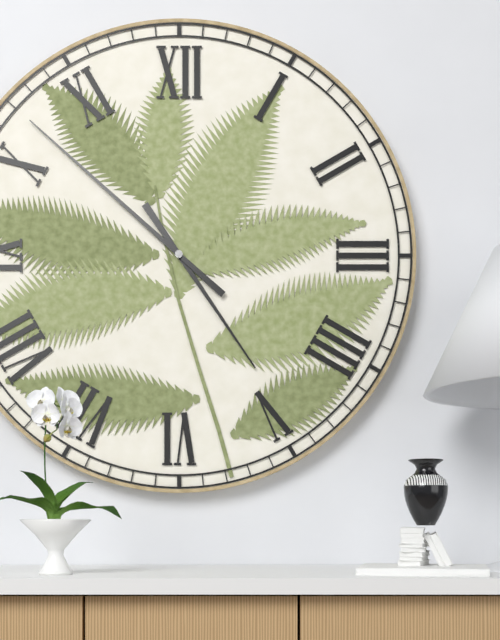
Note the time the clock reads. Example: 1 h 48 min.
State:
4 h 52 min
